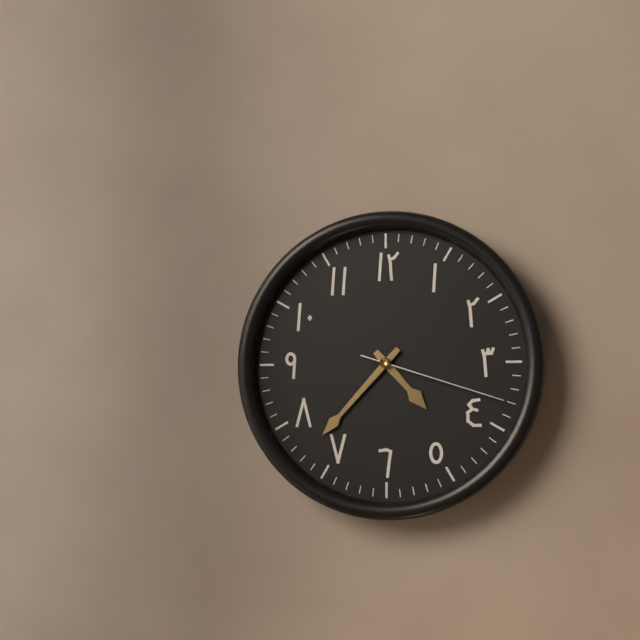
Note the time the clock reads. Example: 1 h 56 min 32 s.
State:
4 h 37 min 18 s
